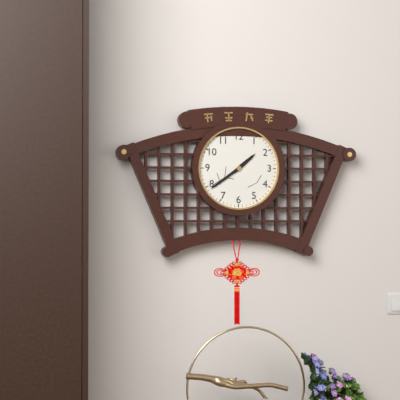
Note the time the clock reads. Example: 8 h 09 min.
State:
1 h 39 min
